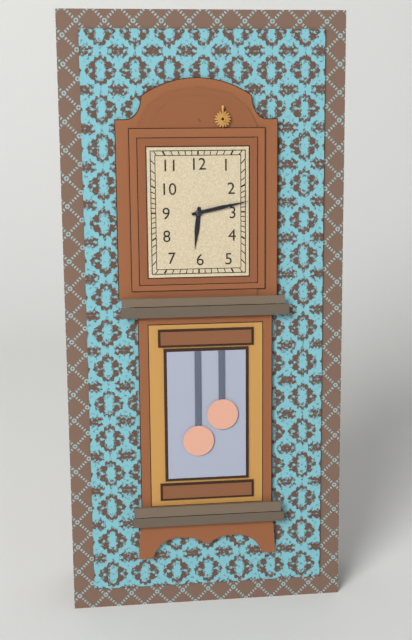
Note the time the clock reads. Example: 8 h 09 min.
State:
6 h 13 min
